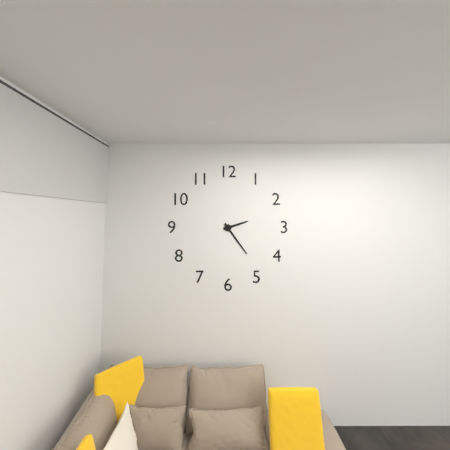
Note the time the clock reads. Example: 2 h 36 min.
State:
2 h 24 min
